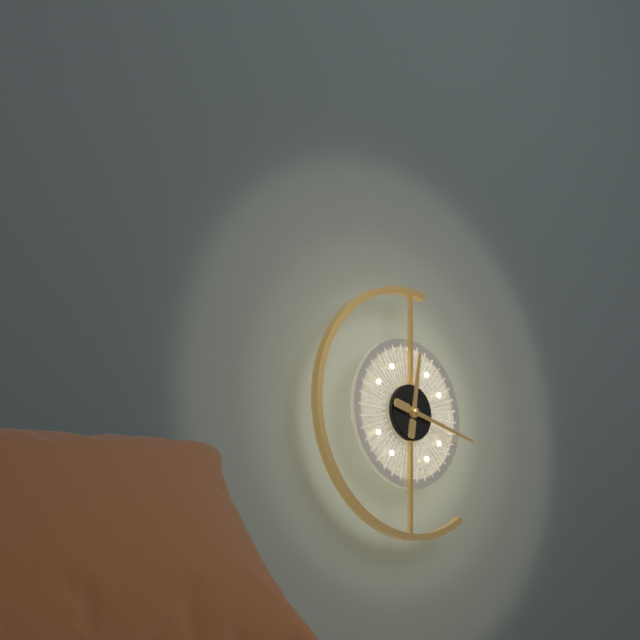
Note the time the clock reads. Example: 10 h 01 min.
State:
12 h 17 min
